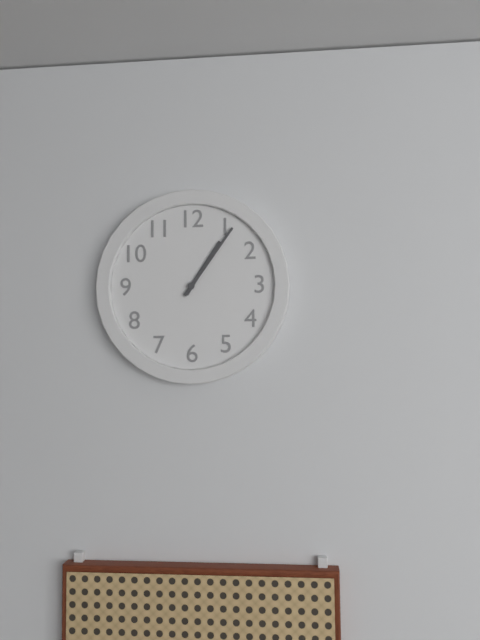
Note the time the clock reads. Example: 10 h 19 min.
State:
1 h 06 min
